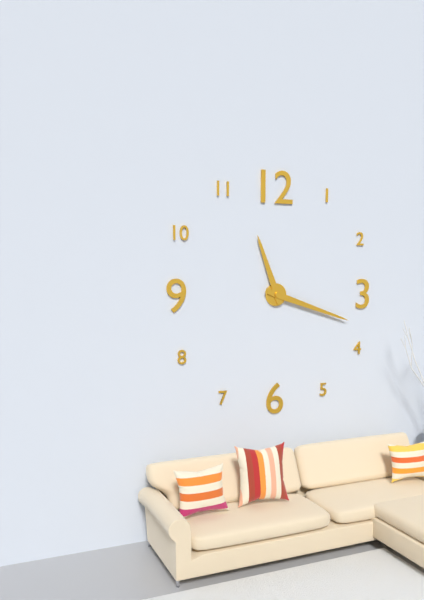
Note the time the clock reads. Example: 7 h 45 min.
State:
11 h 18 min
